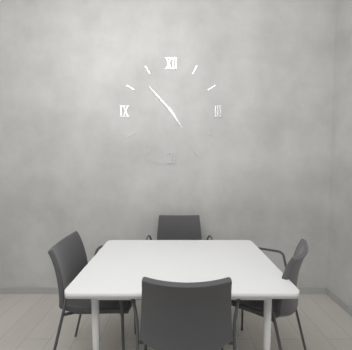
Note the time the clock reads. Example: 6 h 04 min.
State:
4 h 53 min
